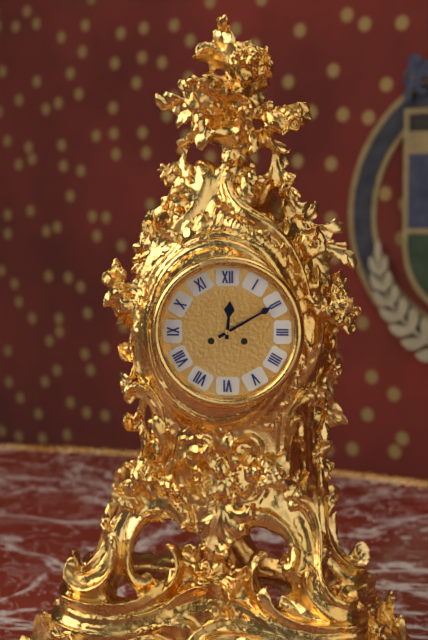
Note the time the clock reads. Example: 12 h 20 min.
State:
12 h 10 min
